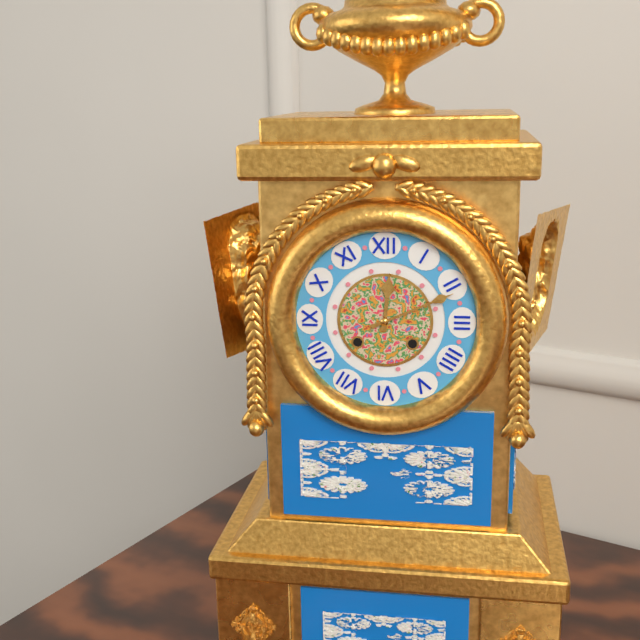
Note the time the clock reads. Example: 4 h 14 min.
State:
12 h 11 min
